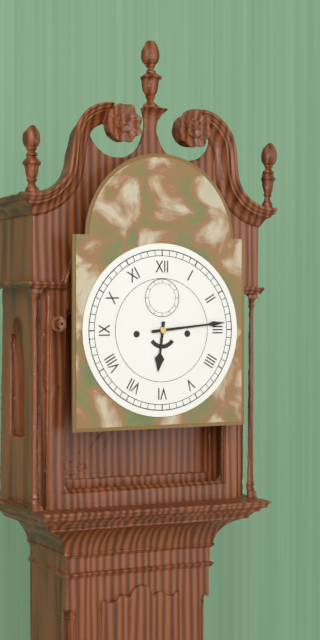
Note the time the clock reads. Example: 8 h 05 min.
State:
6 h 14 min
